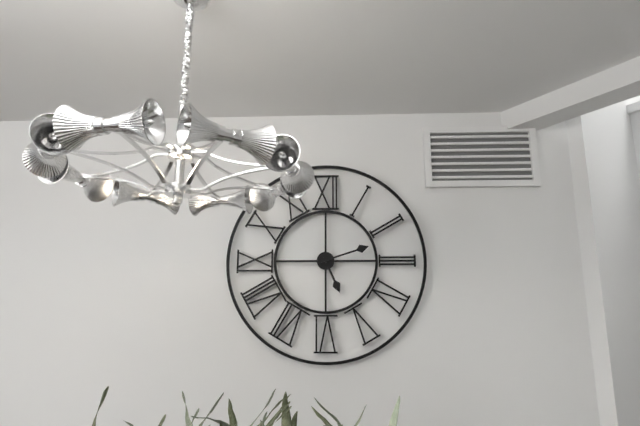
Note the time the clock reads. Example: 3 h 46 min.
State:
5 h 12 min
